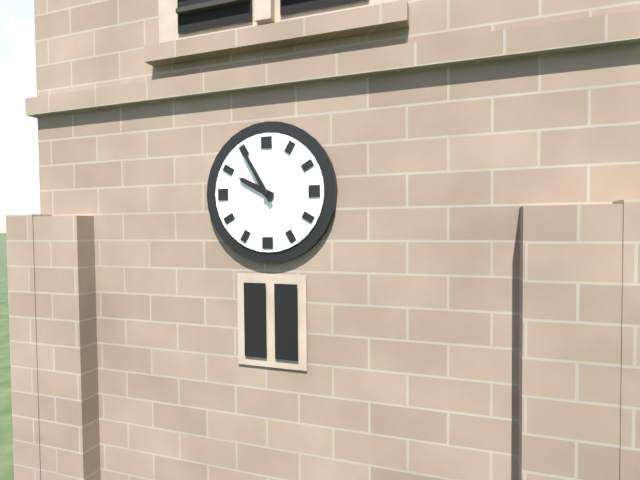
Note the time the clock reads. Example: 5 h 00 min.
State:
9 h 55 min
